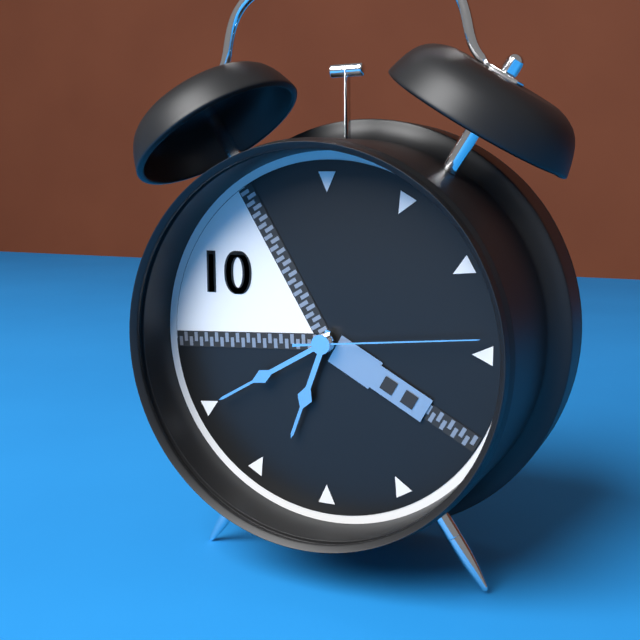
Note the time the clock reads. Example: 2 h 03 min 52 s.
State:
6 h 40 min 14 s
